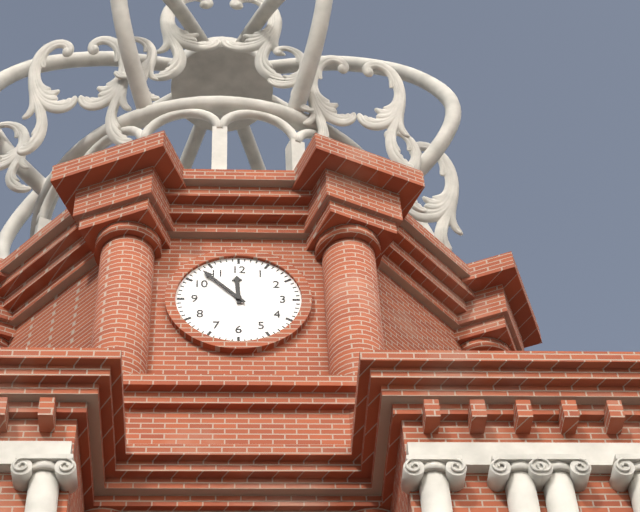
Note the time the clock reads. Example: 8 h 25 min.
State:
11 h 53 min
